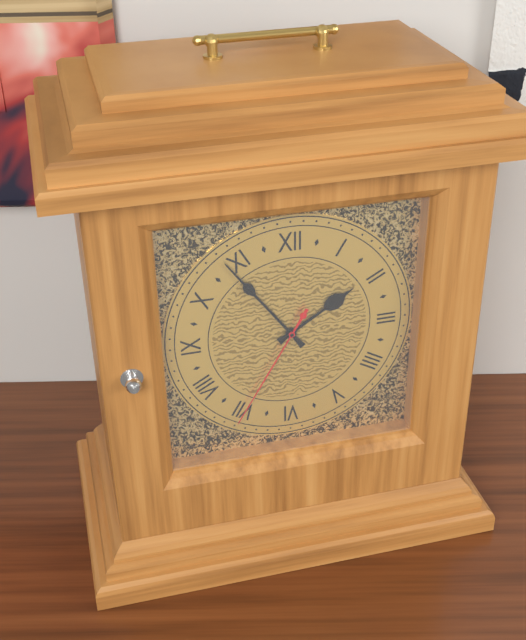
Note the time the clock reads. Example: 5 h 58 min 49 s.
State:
1 h 54 min 35 s
